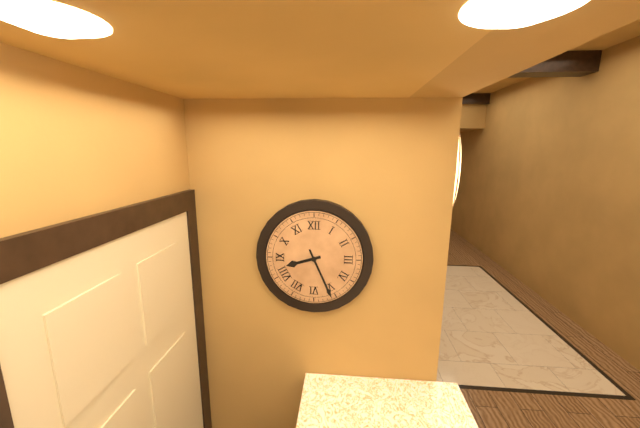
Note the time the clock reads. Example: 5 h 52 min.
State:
8 h 26 min
